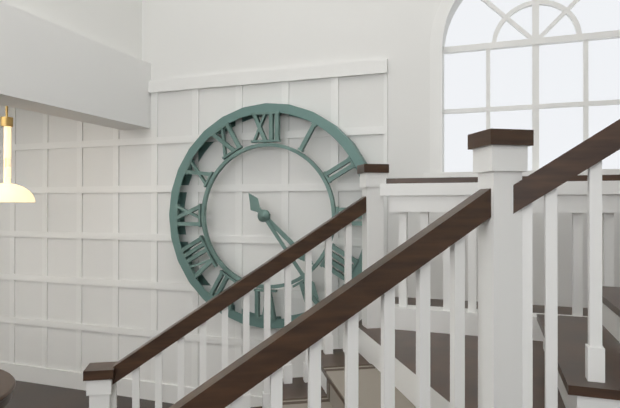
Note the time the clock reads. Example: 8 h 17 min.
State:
4 h 24 min
